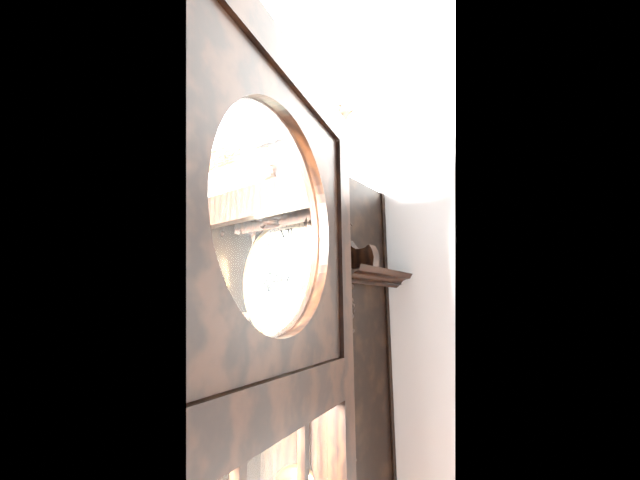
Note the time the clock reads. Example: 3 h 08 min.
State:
8 h 48 min
